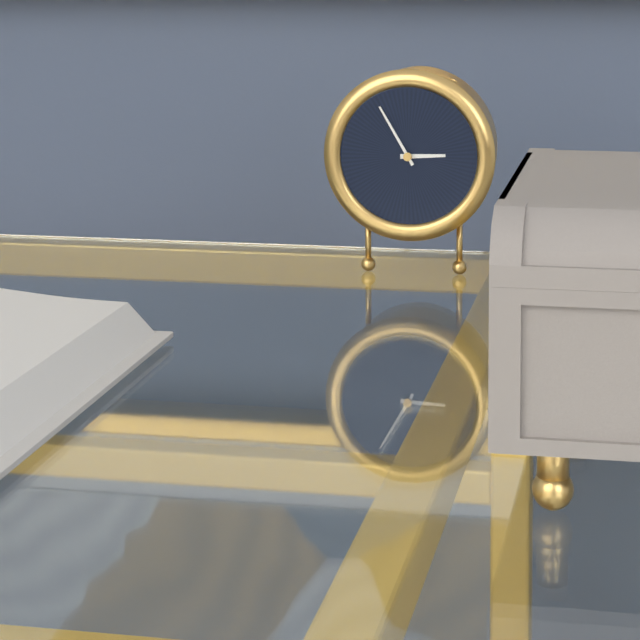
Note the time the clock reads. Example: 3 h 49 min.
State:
2 h 55 min
